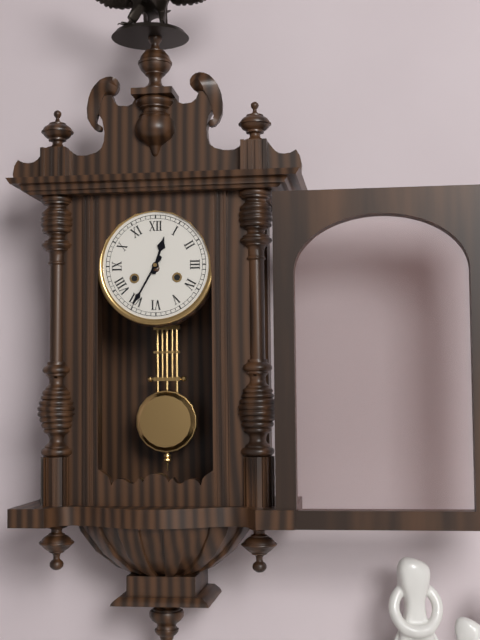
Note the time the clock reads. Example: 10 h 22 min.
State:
12 h 35 min
